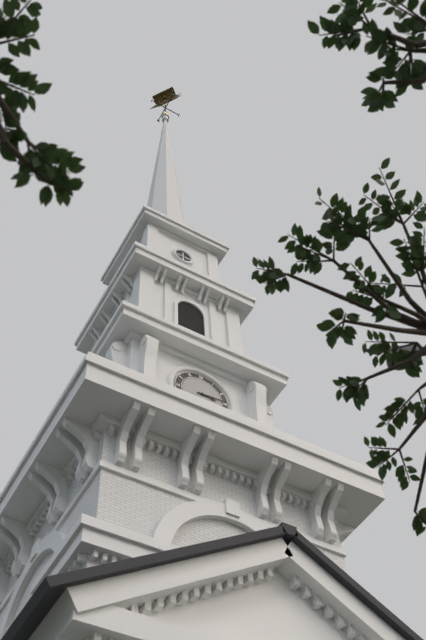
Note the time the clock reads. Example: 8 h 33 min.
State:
3 h 14 min
